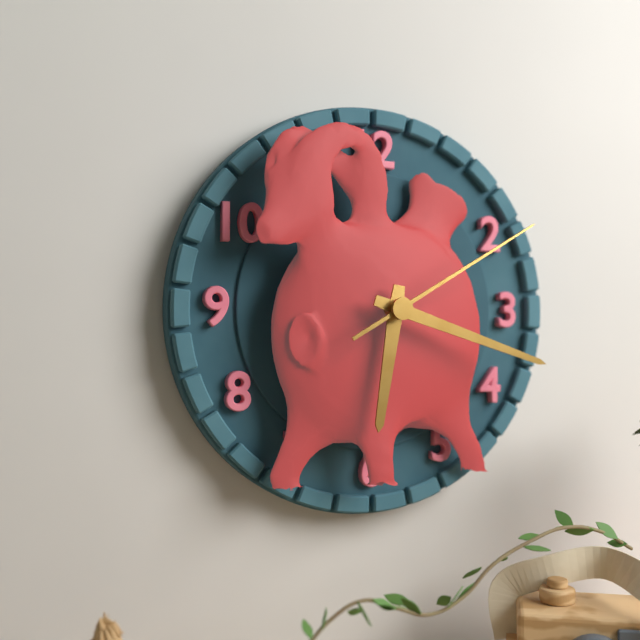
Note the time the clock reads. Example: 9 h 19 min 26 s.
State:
6 h 18 min 10 s
